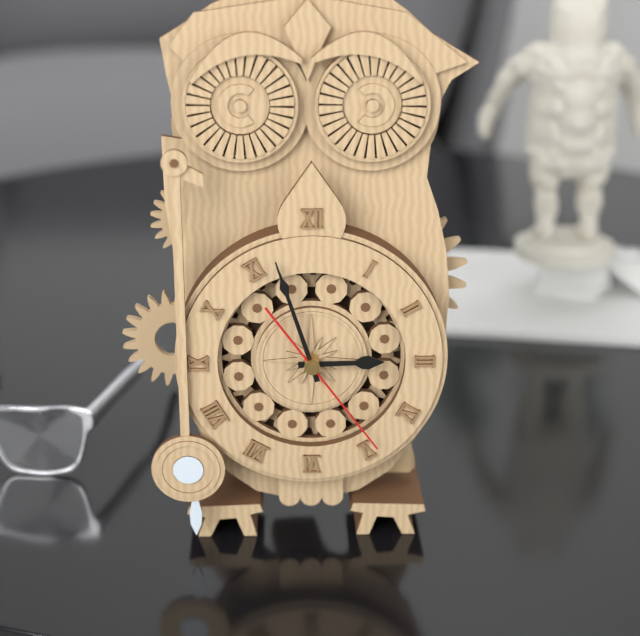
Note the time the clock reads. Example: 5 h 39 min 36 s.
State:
2 h 57 min 24 s
